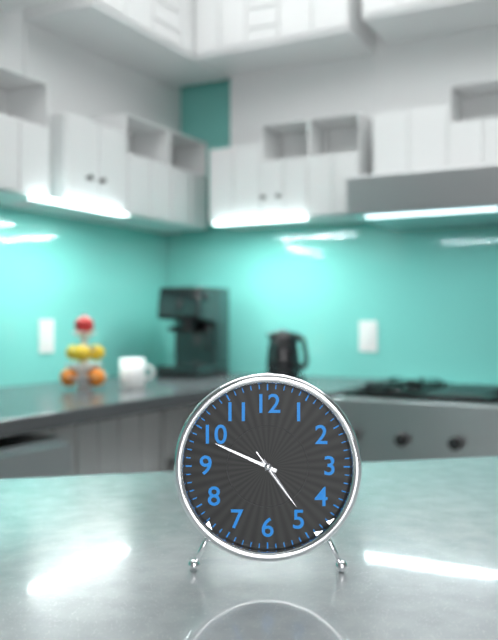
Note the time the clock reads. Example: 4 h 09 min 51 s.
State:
4 h 49 min 24 s
